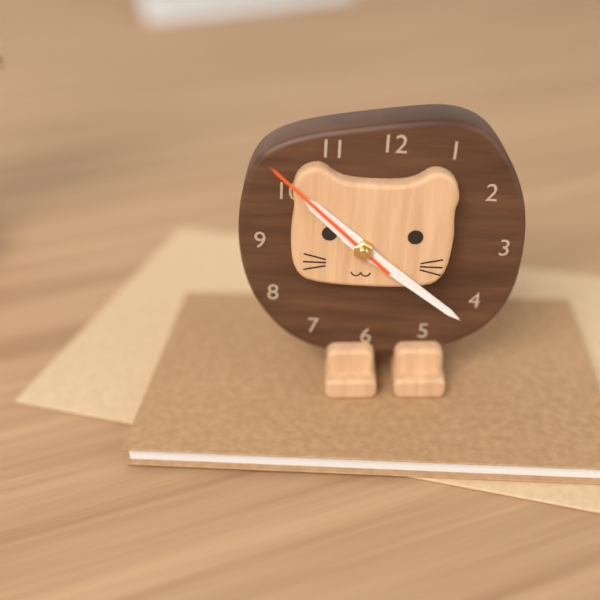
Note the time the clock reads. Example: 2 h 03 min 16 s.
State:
10 h 21 min 52 s
